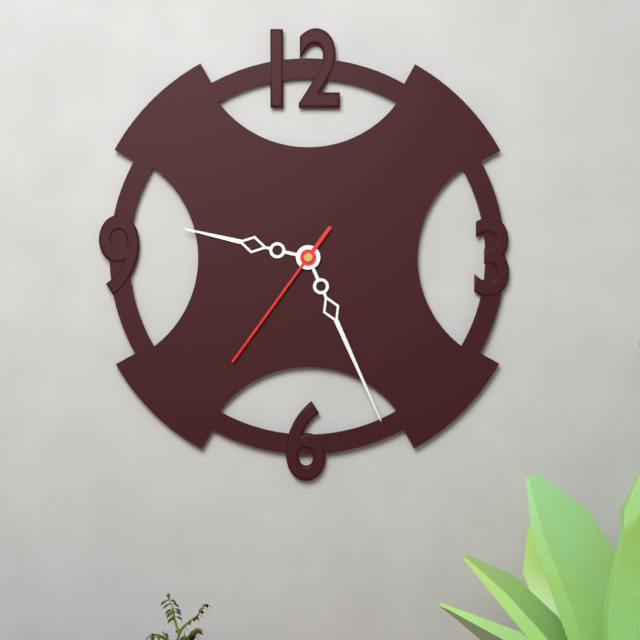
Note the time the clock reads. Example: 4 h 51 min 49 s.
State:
9 h 26 min 36 s
